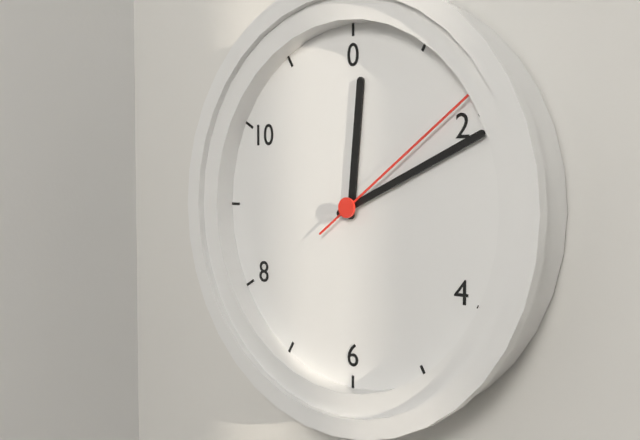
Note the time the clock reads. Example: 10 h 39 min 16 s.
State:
12 h 11 min 09 s
